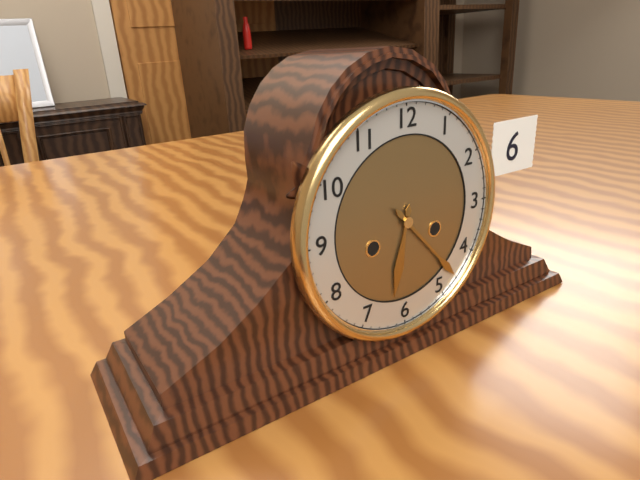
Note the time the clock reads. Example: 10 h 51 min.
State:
6 h 23 min
